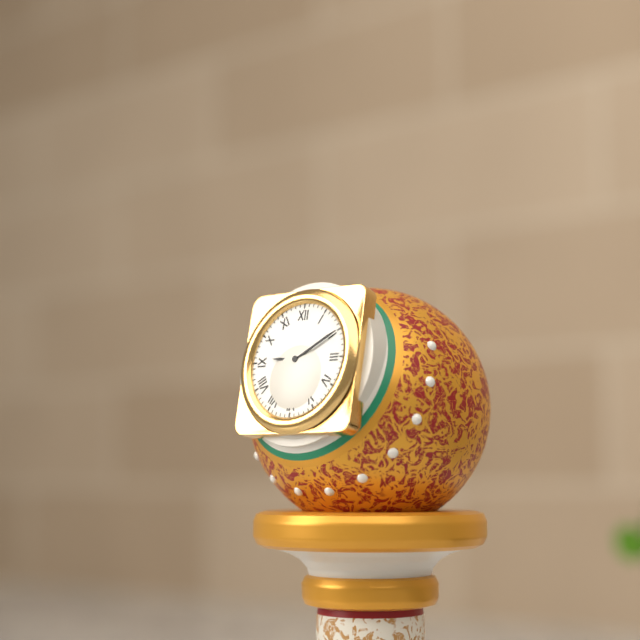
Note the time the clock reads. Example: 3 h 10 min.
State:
9 h 10 min
